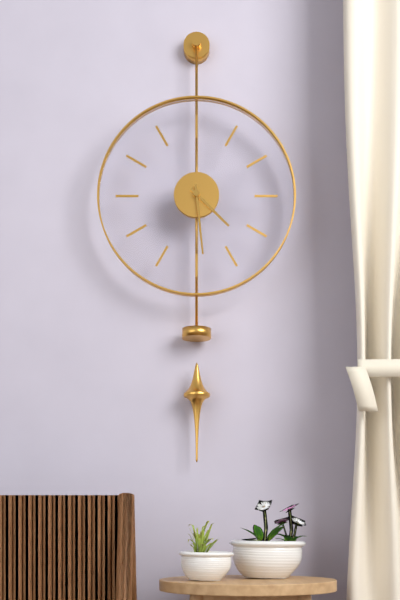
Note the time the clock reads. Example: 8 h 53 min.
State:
4 h 29 min
